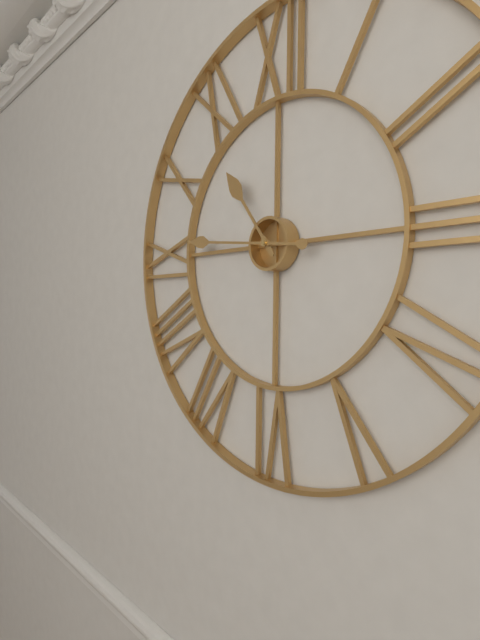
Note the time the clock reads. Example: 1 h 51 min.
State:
10 h 46 min
